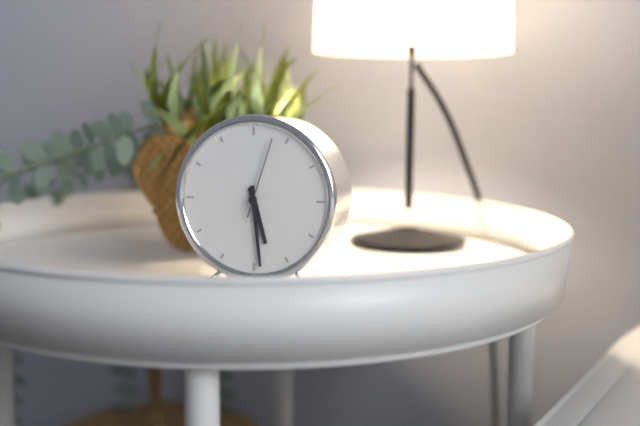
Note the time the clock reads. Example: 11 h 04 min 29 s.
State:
5 h 29 min 03 s
